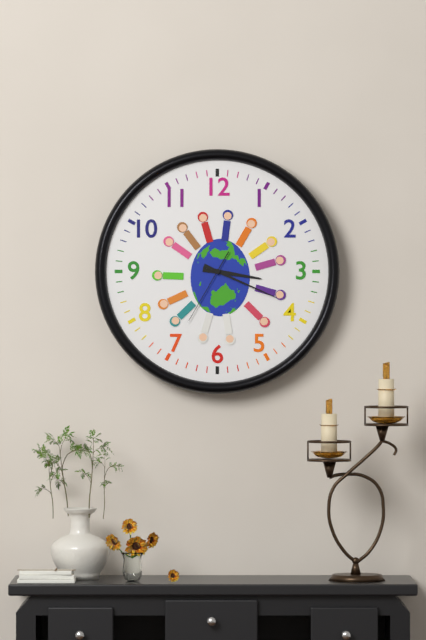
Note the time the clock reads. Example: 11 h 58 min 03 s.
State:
3 h 19 min 35 s
